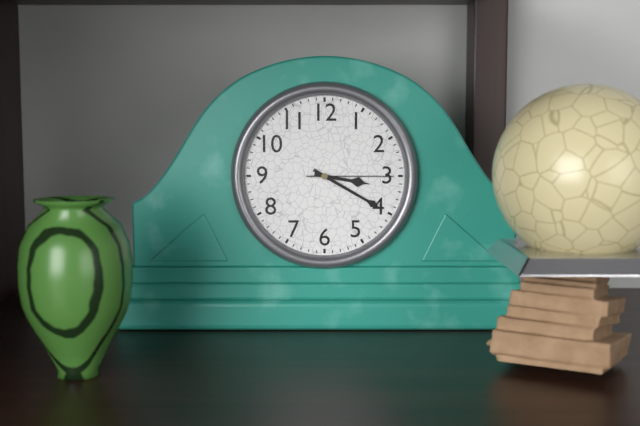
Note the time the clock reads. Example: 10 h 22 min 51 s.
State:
3 h 20 min 15 s
